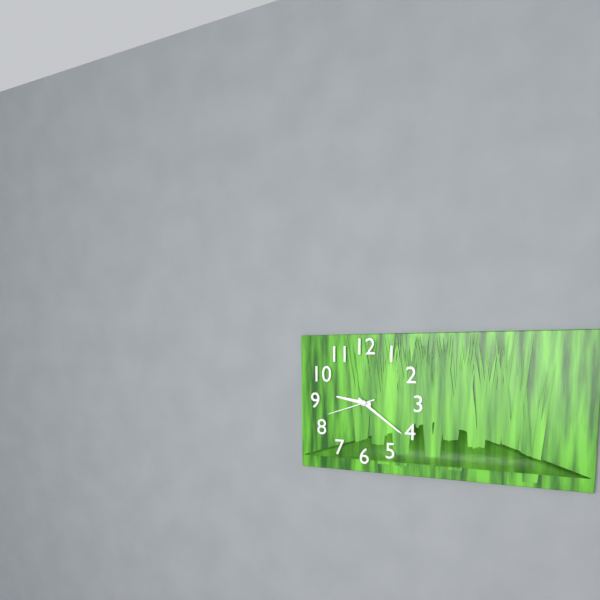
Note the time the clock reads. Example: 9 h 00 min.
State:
9 h 21 min
